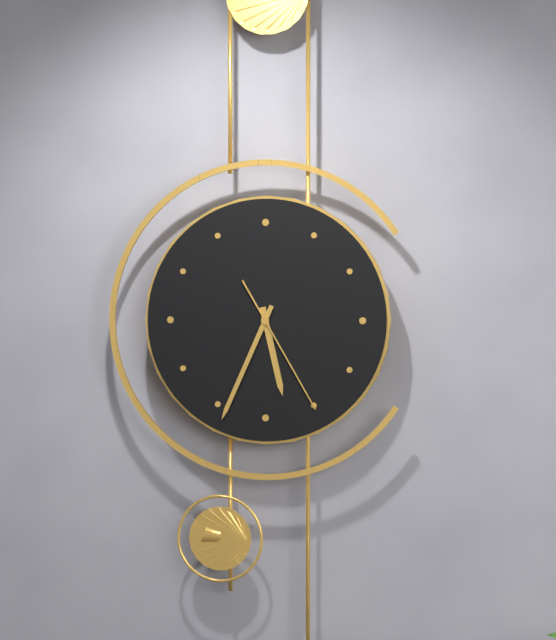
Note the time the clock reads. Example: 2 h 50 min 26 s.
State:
5 h 34 min 25 s
